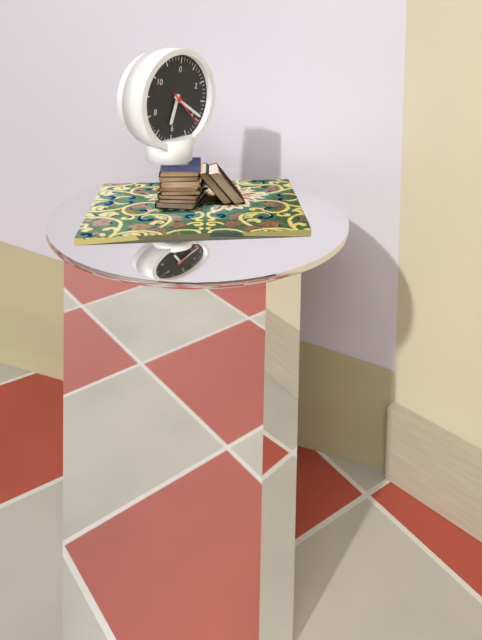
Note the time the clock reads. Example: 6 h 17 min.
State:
6 h 19 min
